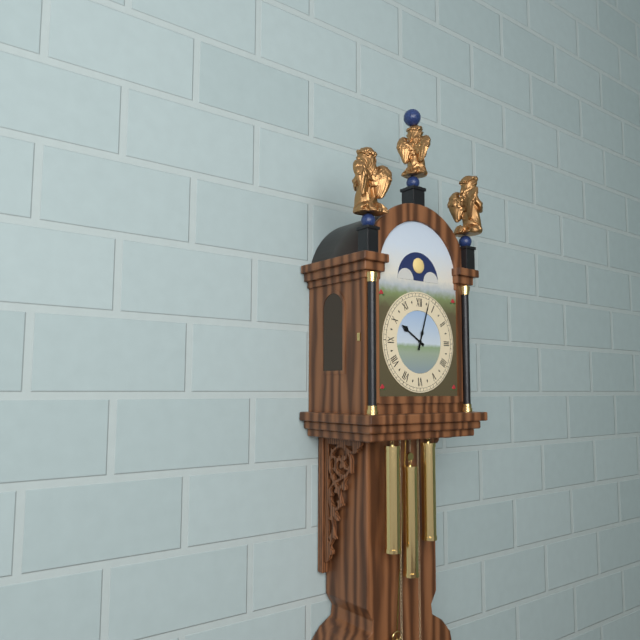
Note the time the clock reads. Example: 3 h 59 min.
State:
10 h 03 min
